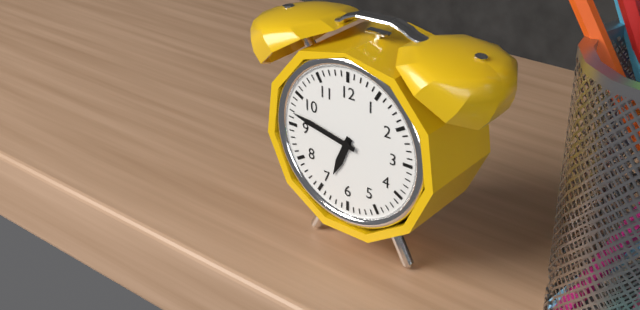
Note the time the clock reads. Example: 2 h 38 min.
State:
6 h 47 min
